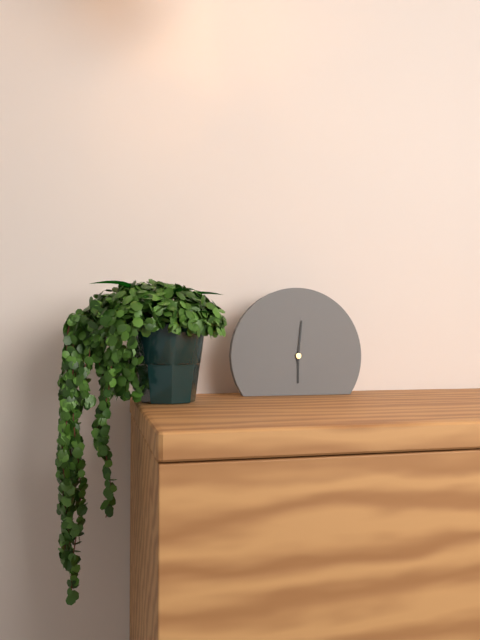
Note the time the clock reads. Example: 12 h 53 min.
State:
6 h 01 min
